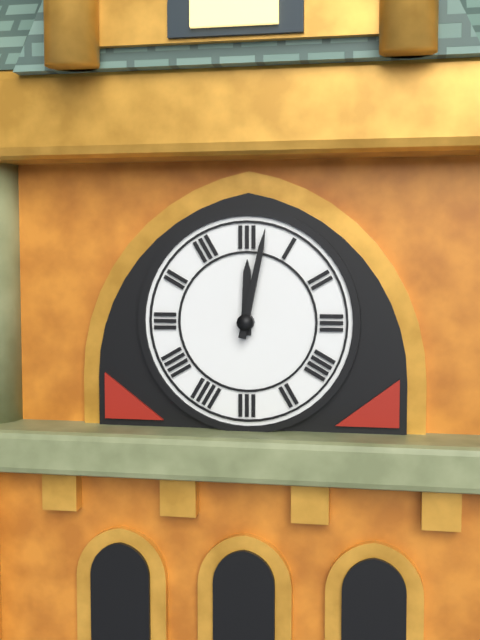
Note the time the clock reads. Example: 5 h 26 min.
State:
12 h 02 min
